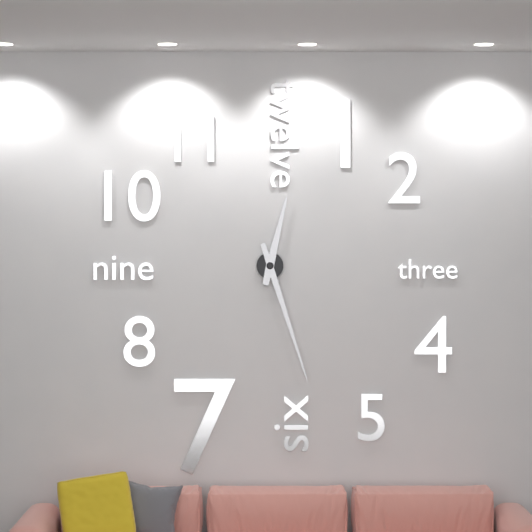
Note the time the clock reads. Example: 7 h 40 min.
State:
12 h 27 min
